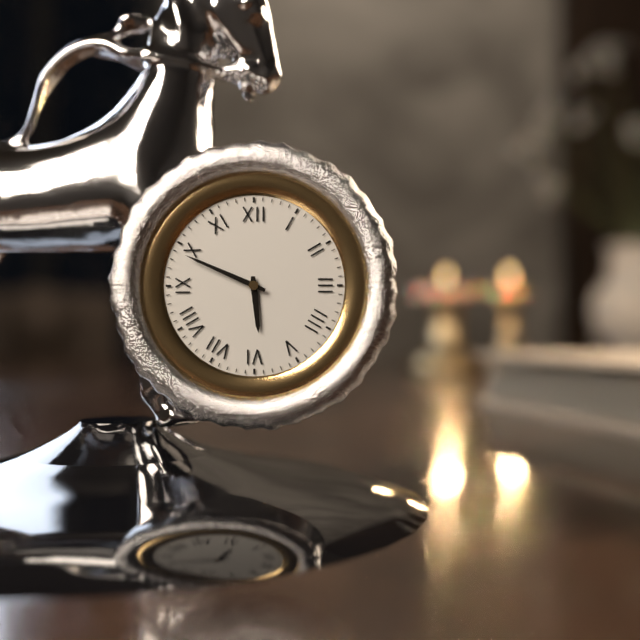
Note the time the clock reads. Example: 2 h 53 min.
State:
5 h 49 min
